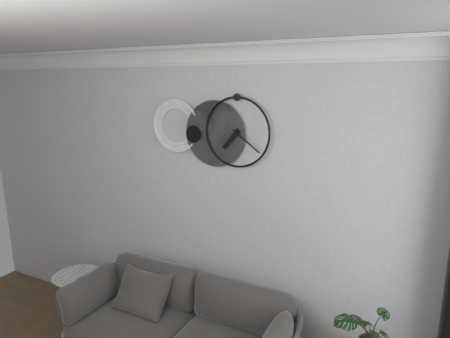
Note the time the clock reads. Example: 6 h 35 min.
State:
7 h 21 min
